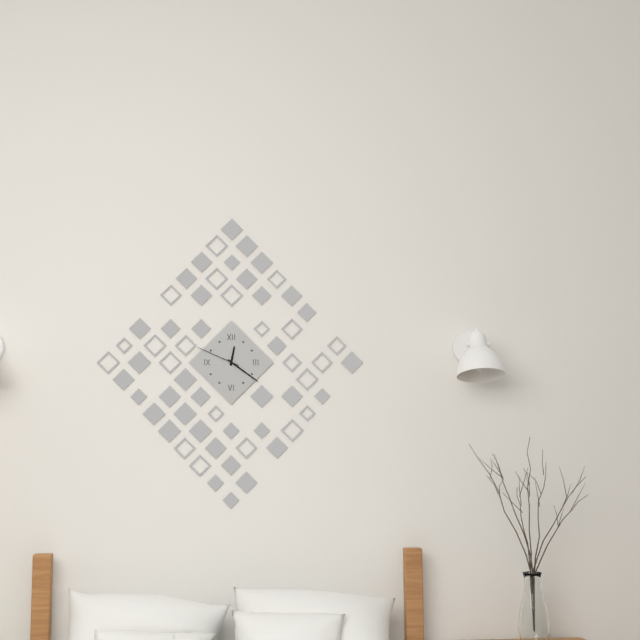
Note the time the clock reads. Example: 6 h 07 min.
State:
12 h 21 min
